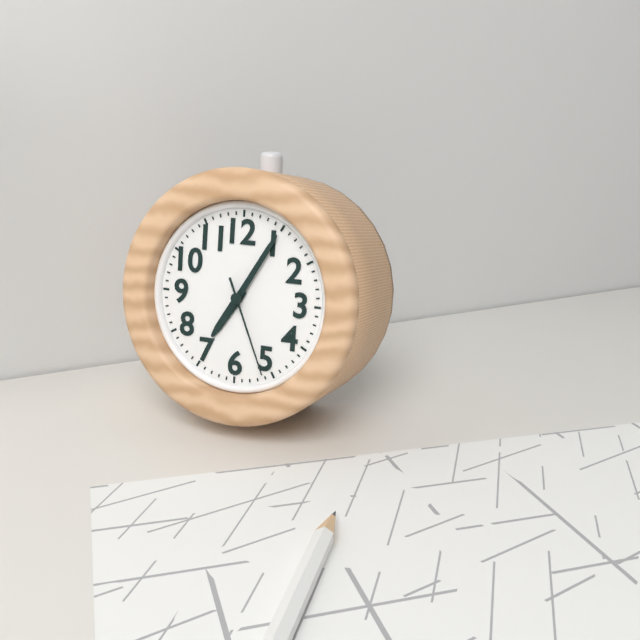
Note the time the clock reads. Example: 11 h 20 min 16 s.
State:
7 h 05 min 26 s
